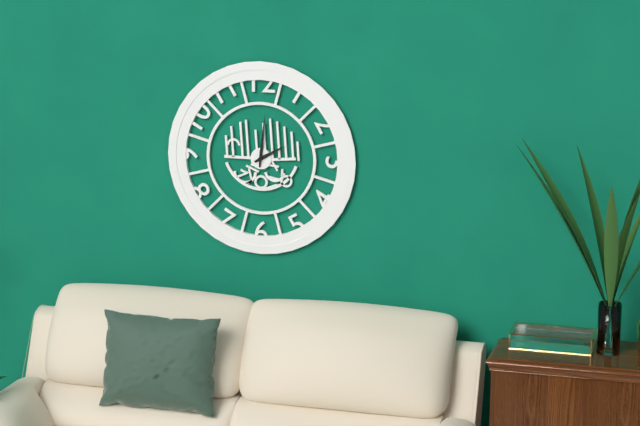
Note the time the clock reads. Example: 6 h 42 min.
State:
2 h 01 min
